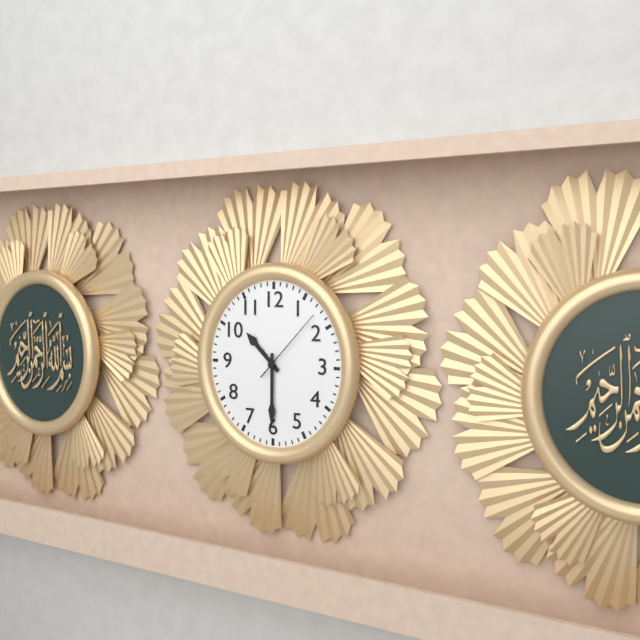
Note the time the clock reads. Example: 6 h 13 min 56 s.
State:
10 h 30 min 07 s
